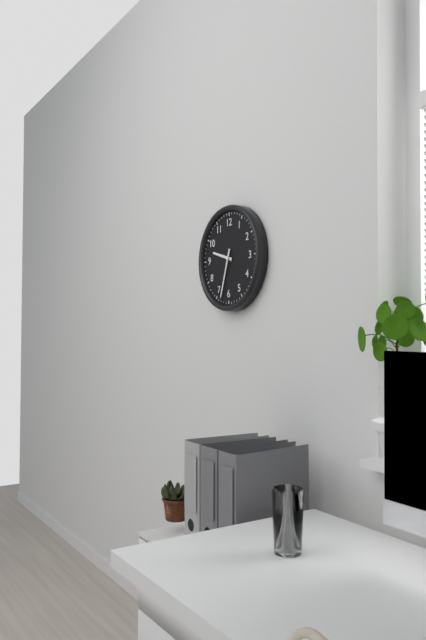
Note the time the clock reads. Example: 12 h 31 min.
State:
9 h 33 min
